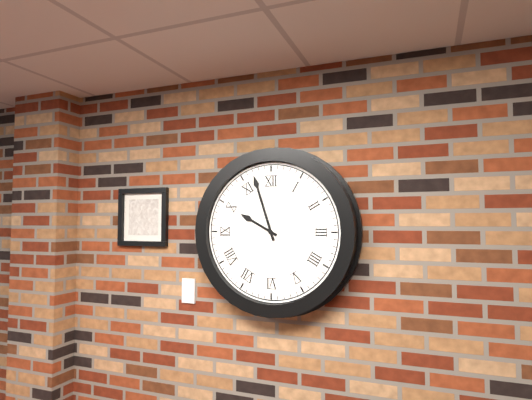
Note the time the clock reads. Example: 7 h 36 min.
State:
9 h 57 min
